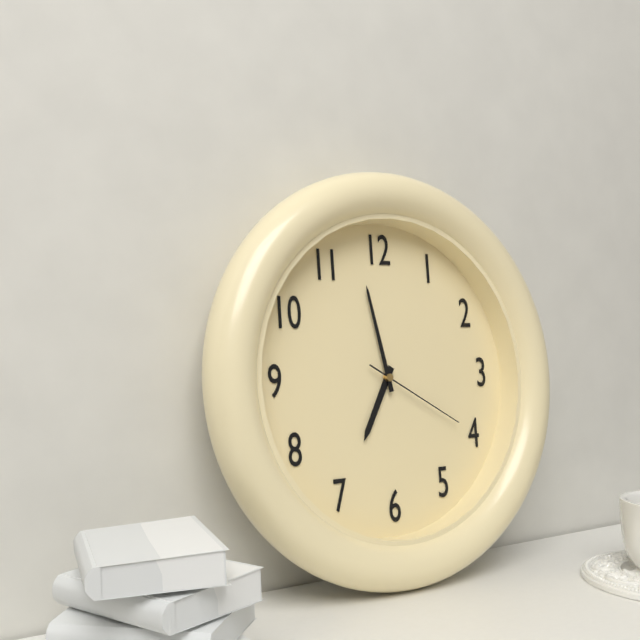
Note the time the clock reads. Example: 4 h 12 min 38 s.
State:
6 h 58 min 20 s
